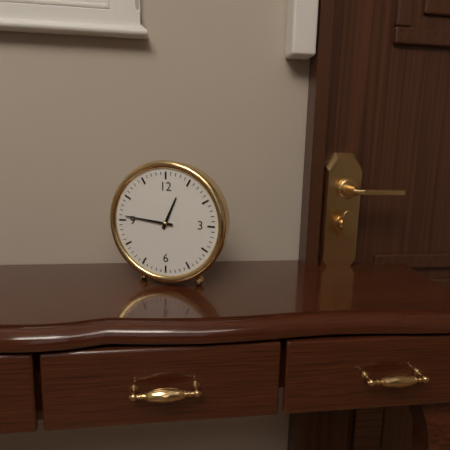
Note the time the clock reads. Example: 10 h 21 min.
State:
12 h 46 min
